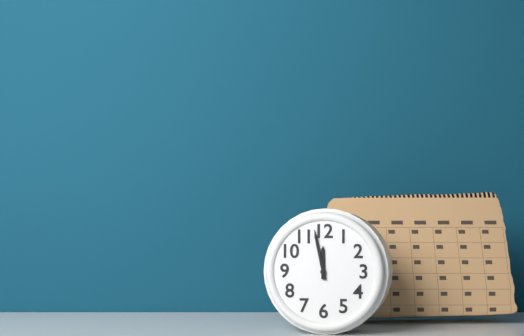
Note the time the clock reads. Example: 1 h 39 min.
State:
11 h 58 min
